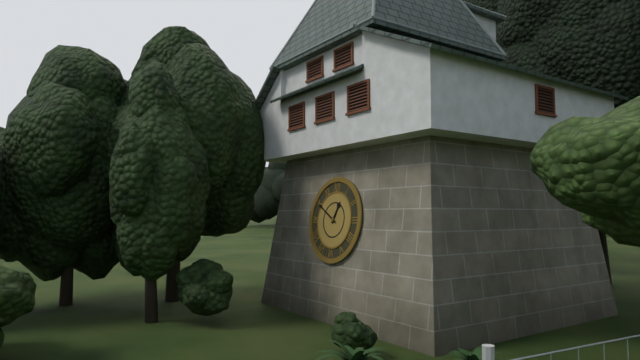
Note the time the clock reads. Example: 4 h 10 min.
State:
12 h 50 min
